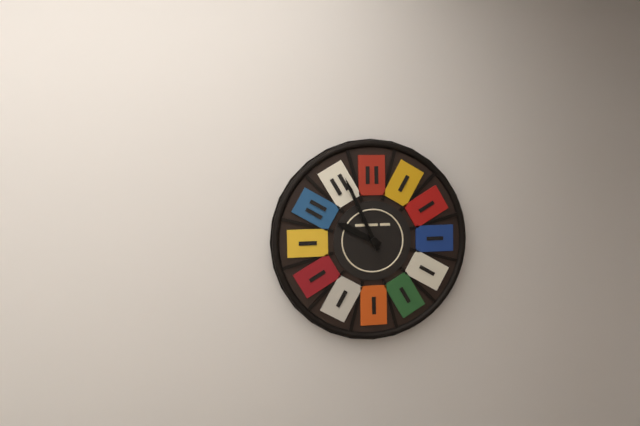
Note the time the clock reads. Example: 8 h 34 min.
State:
9 h 56 min
